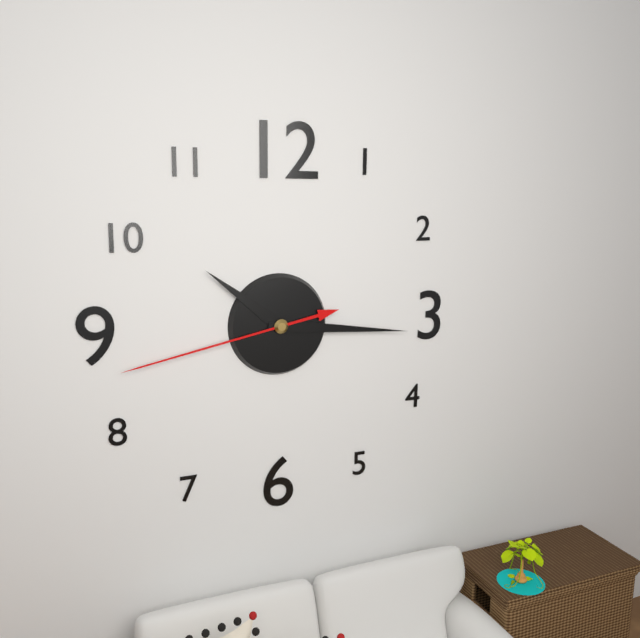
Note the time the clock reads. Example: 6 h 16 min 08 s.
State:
10 h 16 min 43 s
